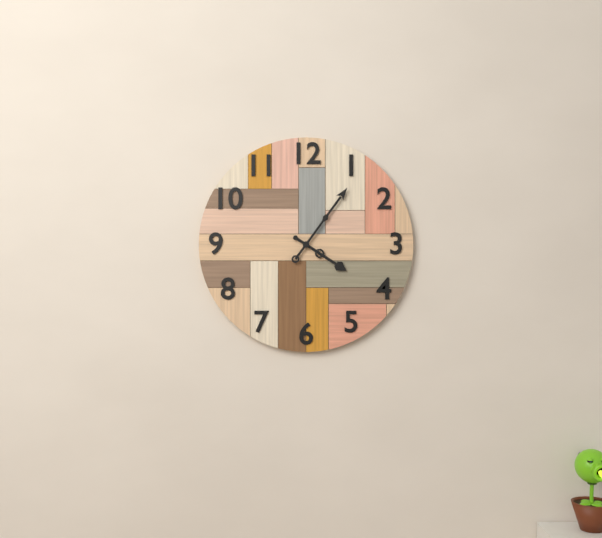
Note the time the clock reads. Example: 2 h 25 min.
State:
4 h 06 min
